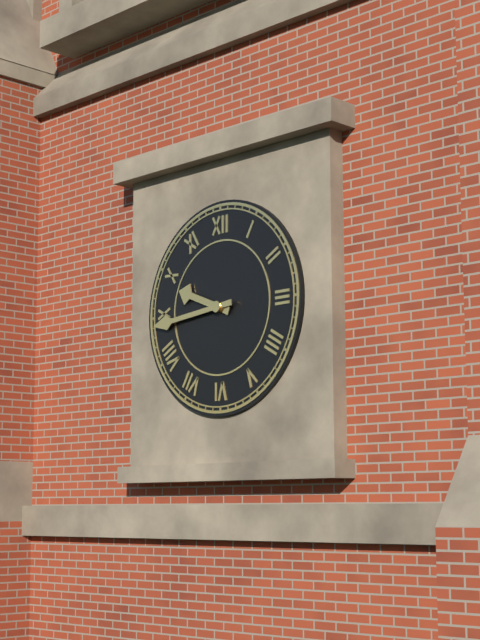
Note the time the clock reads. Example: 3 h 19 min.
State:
9 h 44 min
